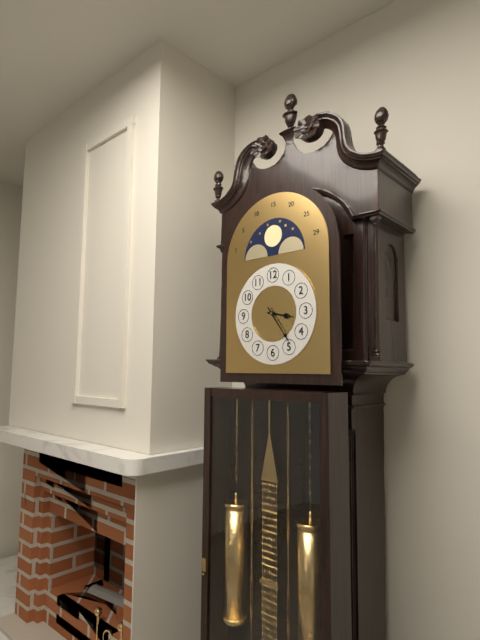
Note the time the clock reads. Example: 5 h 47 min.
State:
3 h 24 min
